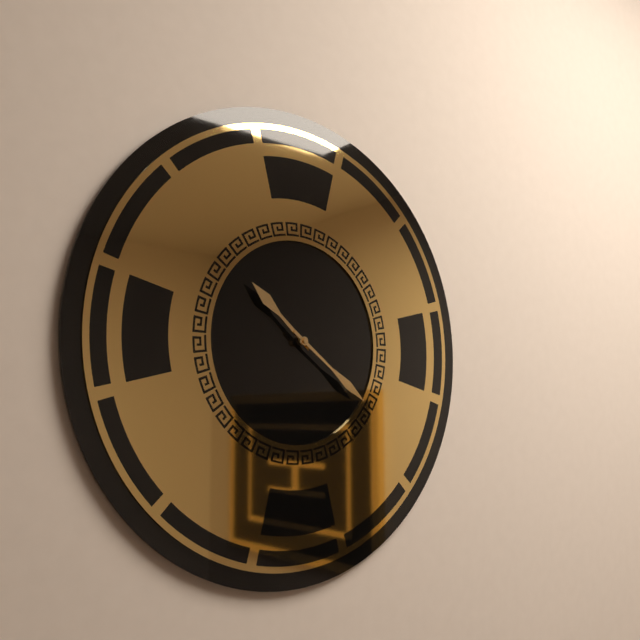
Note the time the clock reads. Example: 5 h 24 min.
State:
10 h 21 min
